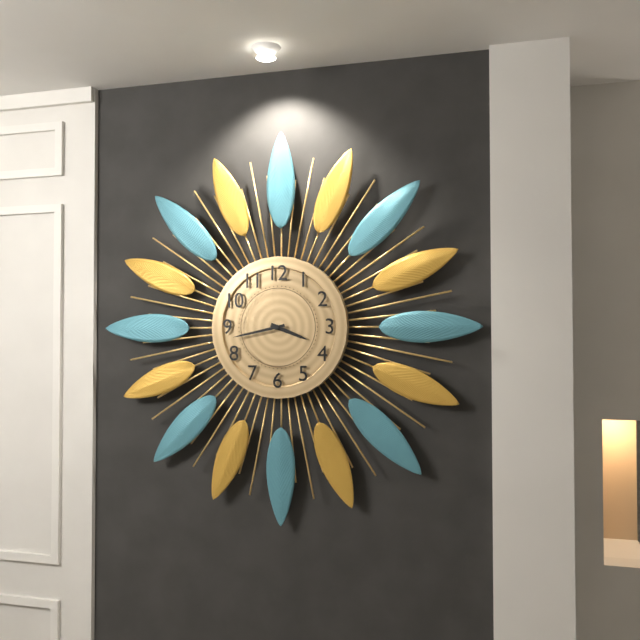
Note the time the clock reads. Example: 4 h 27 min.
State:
3 h 43 min
